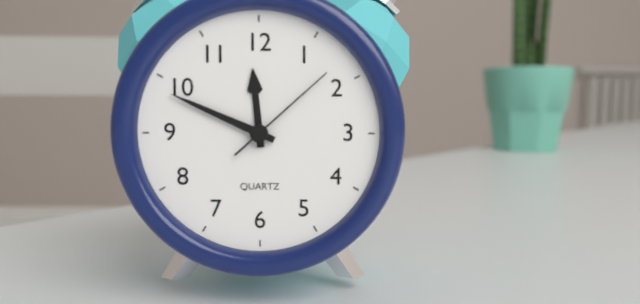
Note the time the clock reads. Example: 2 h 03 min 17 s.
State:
11 h 49 min 08 s
